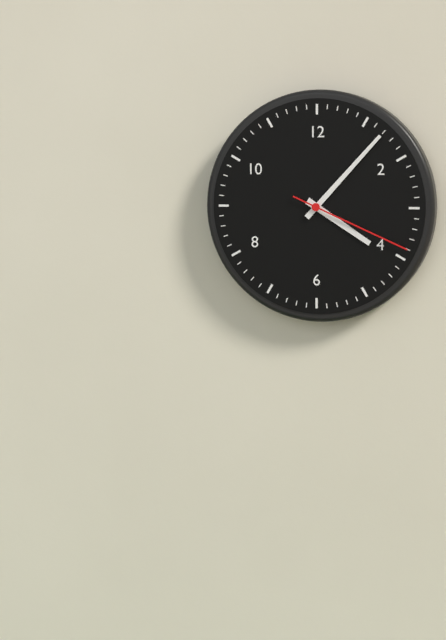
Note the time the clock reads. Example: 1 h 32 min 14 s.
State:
4 h 07 min 19 s
